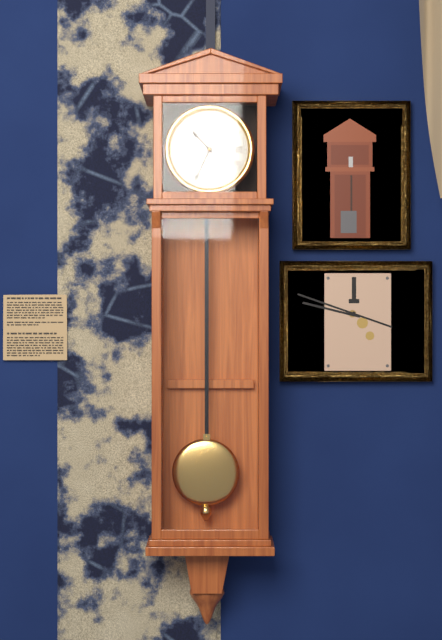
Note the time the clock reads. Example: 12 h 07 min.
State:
10 h 34 min
